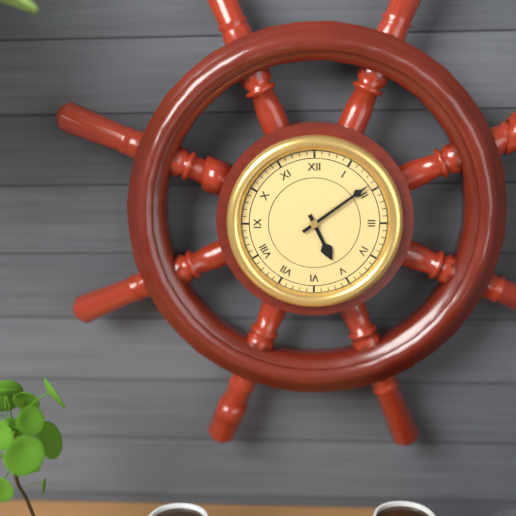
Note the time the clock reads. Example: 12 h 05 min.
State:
5 h 09 min
